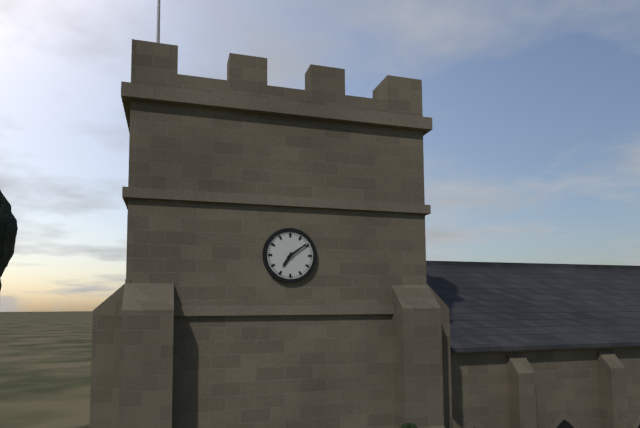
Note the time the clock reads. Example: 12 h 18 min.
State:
7 h 09 min
